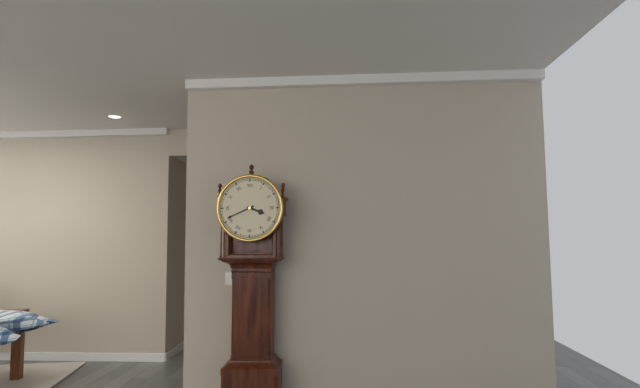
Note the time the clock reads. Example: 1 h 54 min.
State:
3 h 41 min
